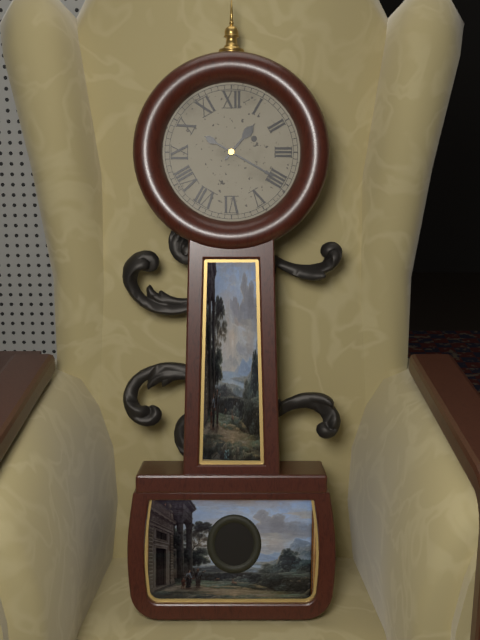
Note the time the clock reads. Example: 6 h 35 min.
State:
1 h 20 min
